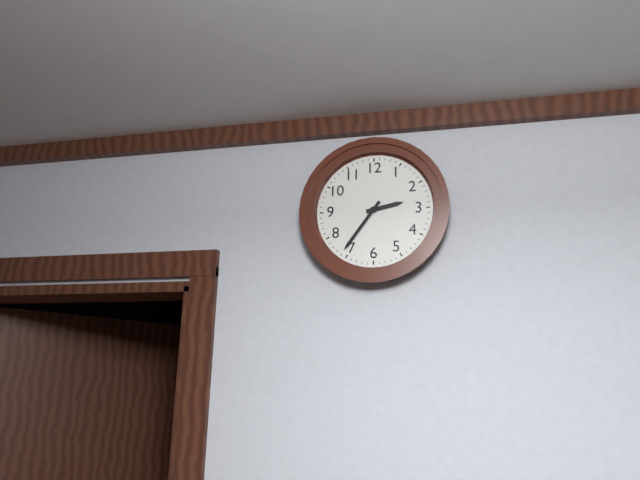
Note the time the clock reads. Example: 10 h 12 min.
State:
2 h 36 min
